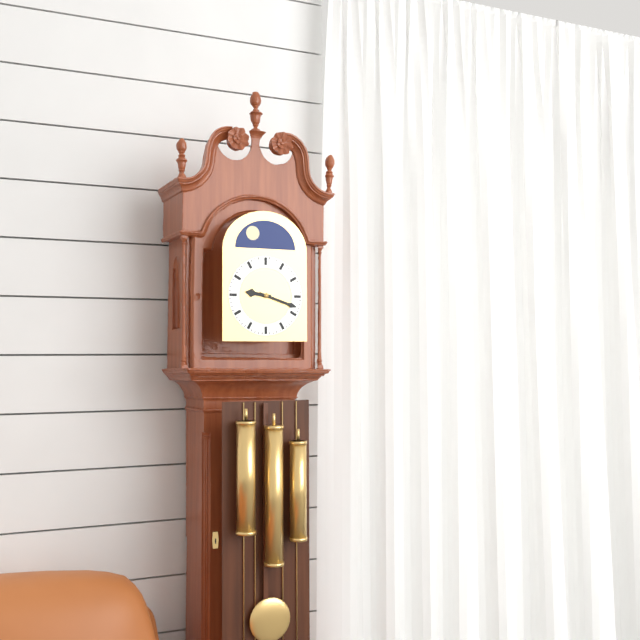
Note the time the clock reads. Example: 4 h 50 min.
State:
9 h 18 min
